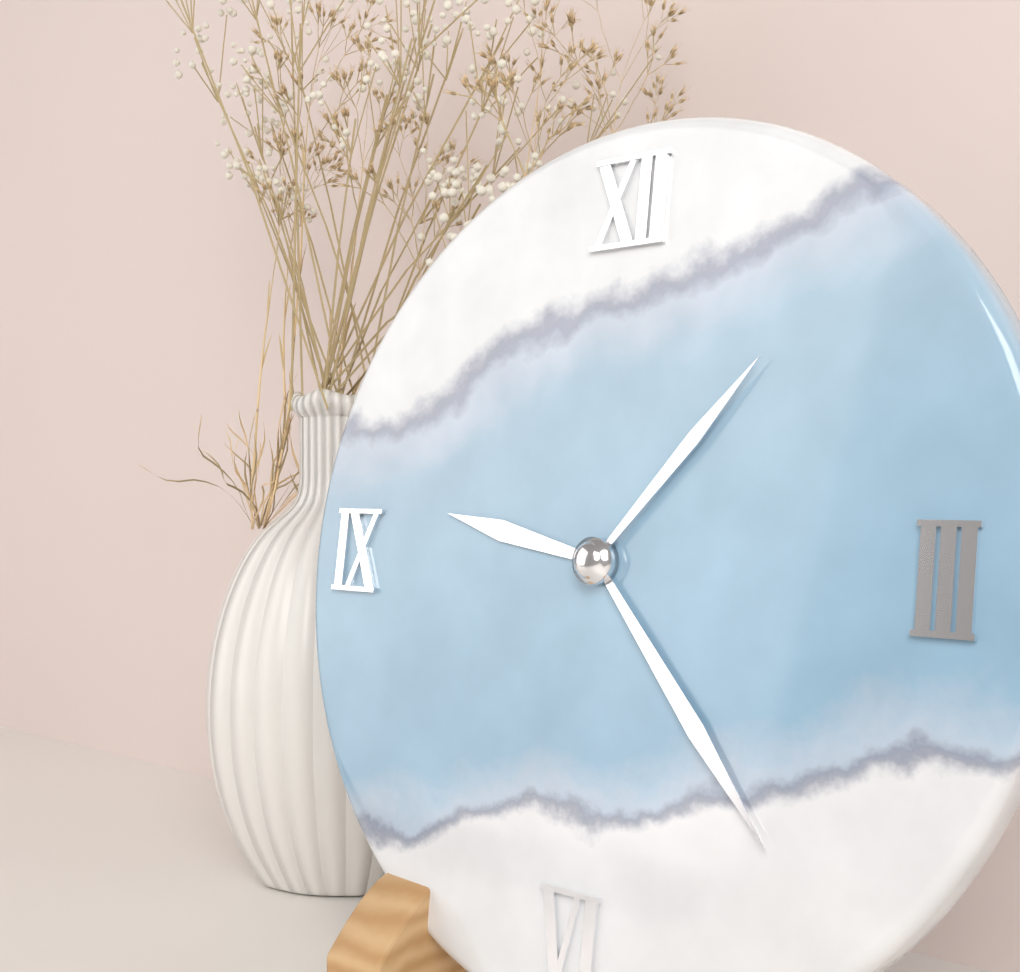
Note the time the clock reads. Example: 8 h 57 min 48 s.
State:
9 h 23 min 07 s
